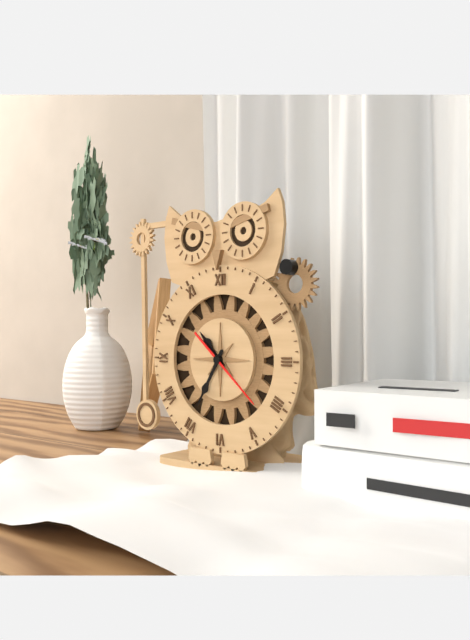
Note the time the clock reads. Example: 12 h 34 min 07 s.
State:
10 h 35 min 22 s
